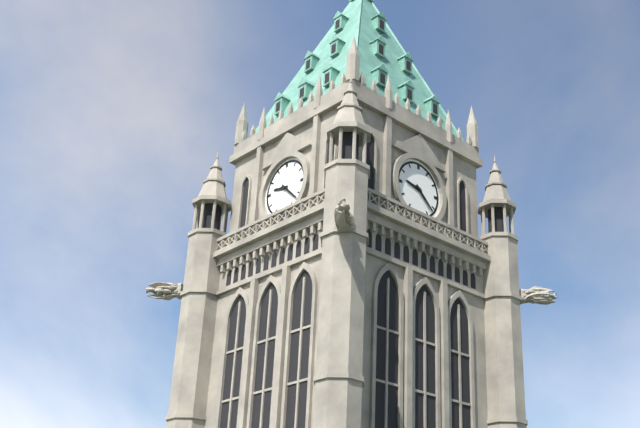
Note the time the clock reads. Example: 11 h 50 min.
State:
9 h 22 min
